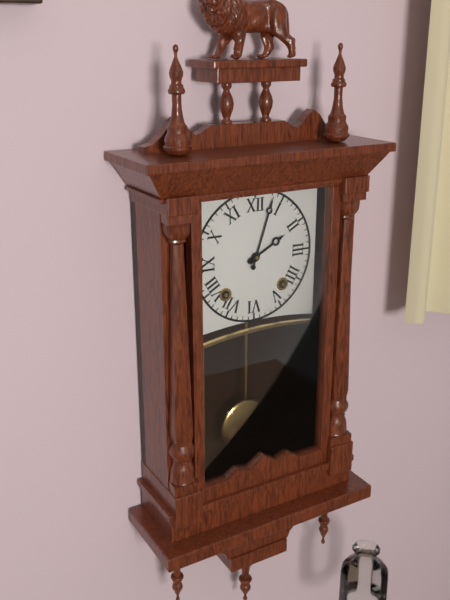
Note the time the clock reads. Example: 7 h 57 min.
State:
2 h 03 min
